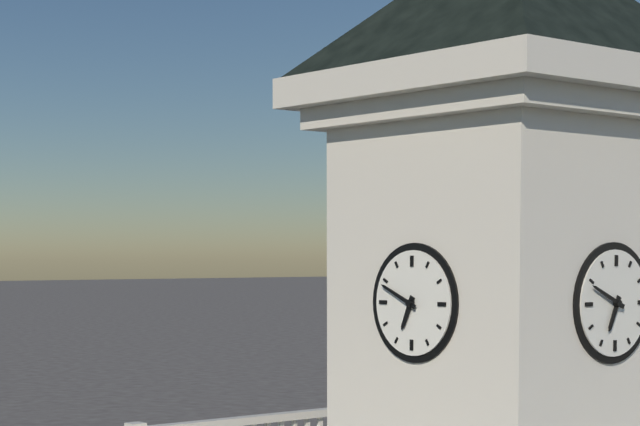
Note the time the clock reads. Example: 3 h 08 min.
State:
6 h 49 min
